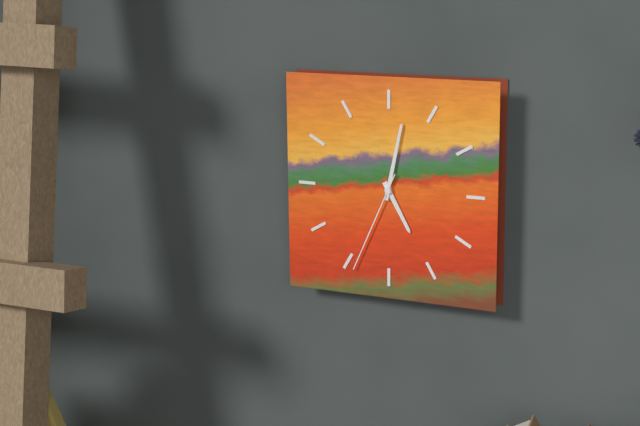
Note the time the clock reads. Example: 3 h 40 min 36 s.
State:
5 h 02 min 34 s
